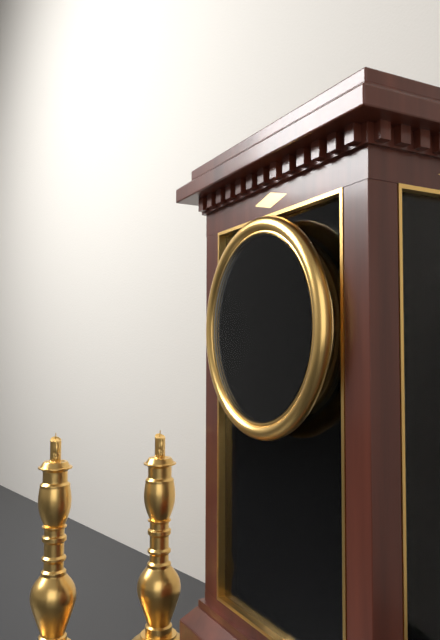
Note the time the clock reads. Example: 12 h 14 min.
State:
1 h 06 min
